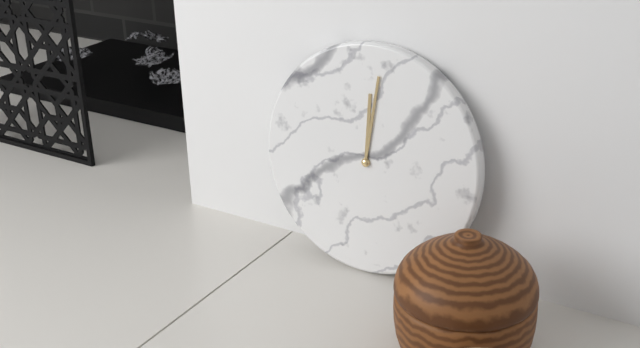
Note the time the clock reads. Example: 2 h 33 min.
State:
12 h 01 min
